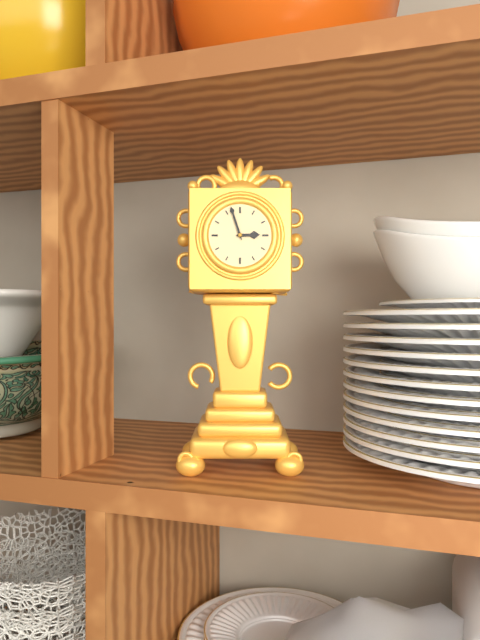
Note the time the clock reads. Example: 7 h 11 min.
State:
2 h 57 min
